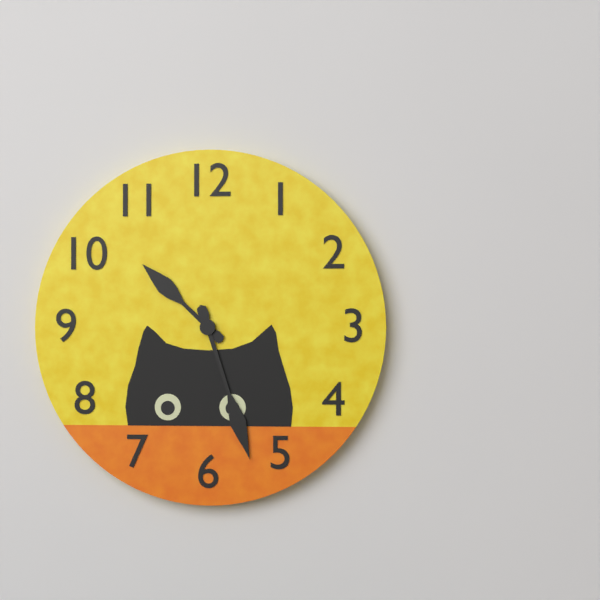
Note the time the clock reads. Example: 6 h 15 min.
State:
10 h 27 min
